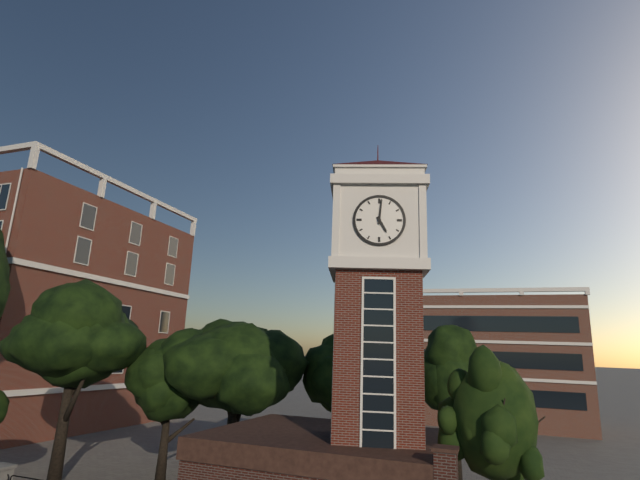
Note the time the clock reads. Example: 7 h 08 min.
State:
5 h 01 min
